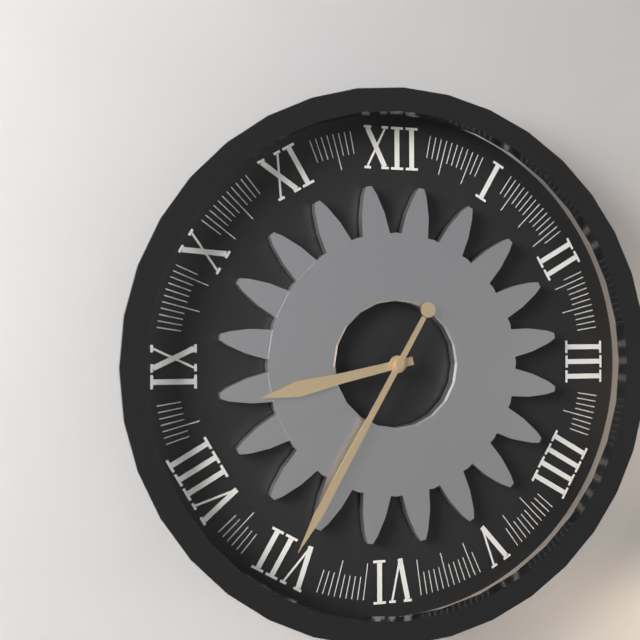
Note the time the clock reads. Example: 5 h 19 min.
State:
8 h 35 min
